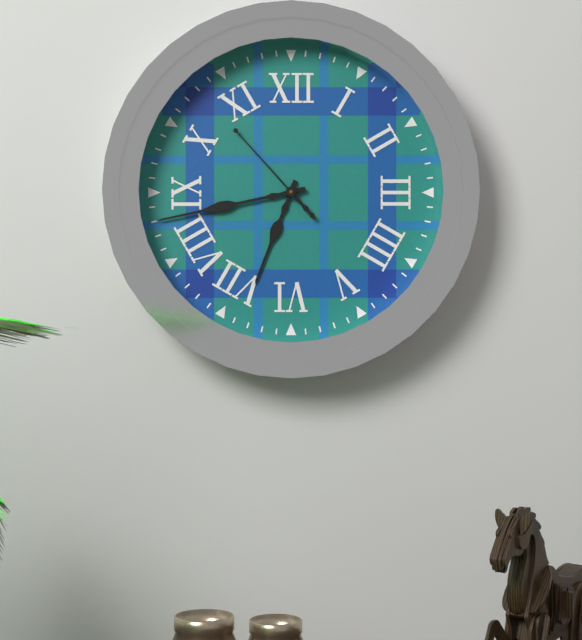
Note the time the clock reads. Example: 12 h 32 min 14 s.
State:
6 h 43 min 53 s
